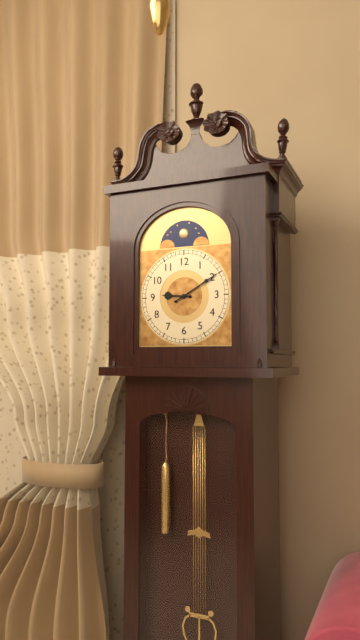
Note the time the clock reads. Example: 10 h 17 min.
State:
9 h 10 min
